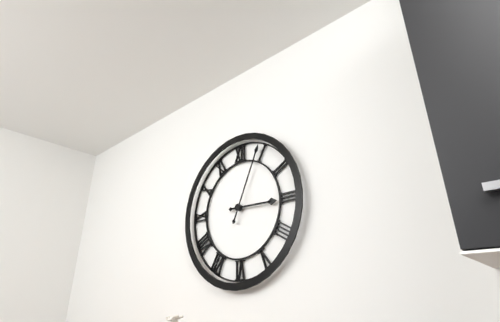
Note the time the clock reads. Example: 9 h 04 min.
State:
3 h 04 min
